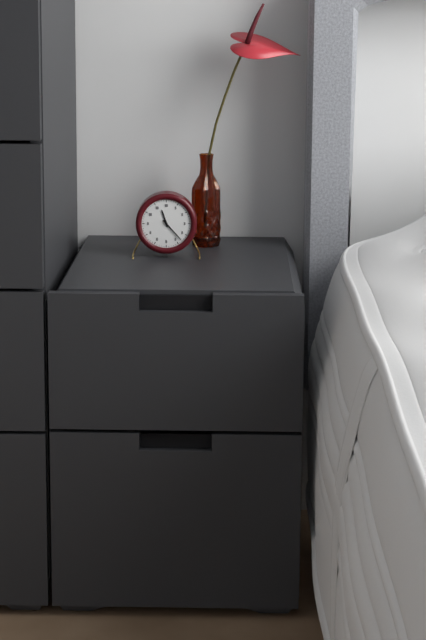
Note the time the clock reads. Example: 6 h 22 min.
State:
11 h 23 min
